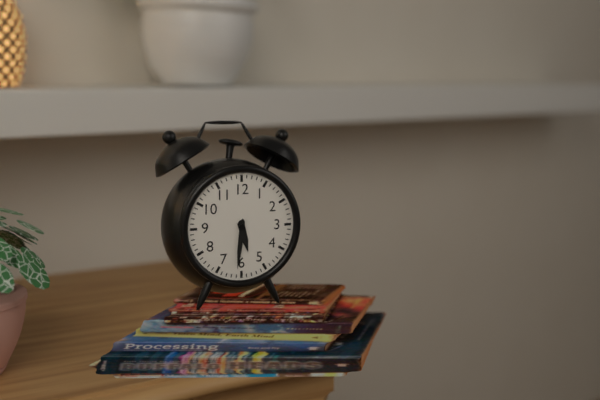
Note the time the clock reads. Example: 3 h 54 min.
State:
5 h 31 min
